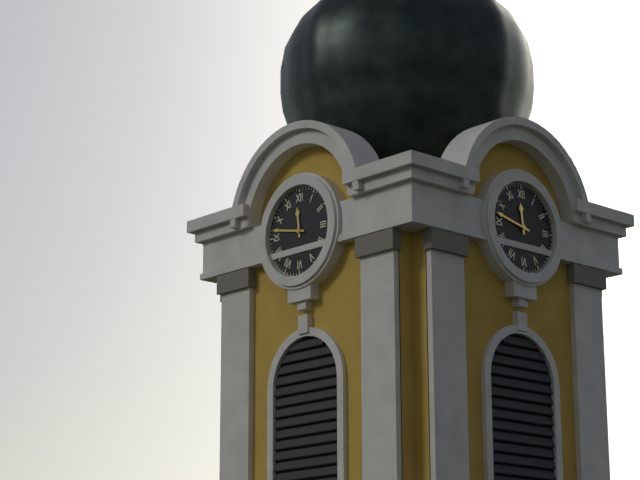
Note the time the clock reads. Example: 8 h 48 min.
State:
11 h 47 min
